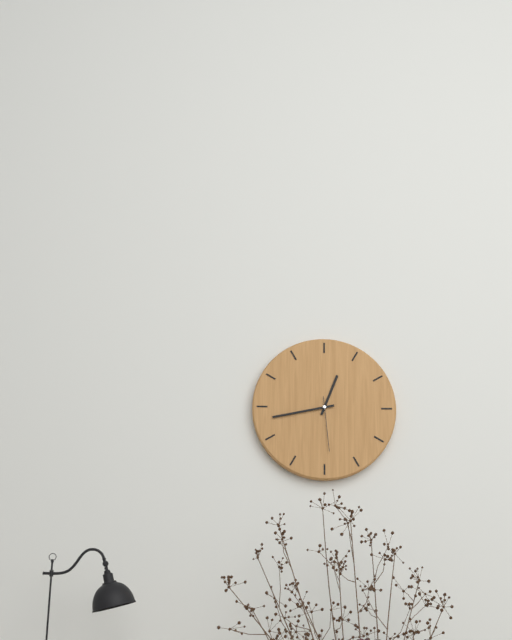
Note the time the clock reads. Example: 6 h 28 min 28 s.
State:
12 h 43 min 29 s
